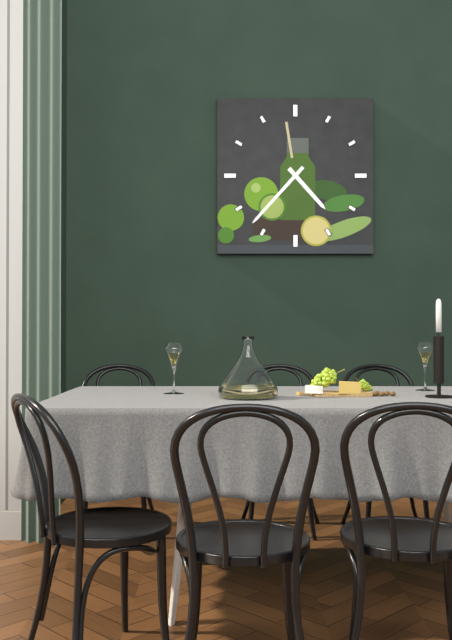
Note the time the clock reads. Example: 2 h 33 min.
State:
4 h 37 min
